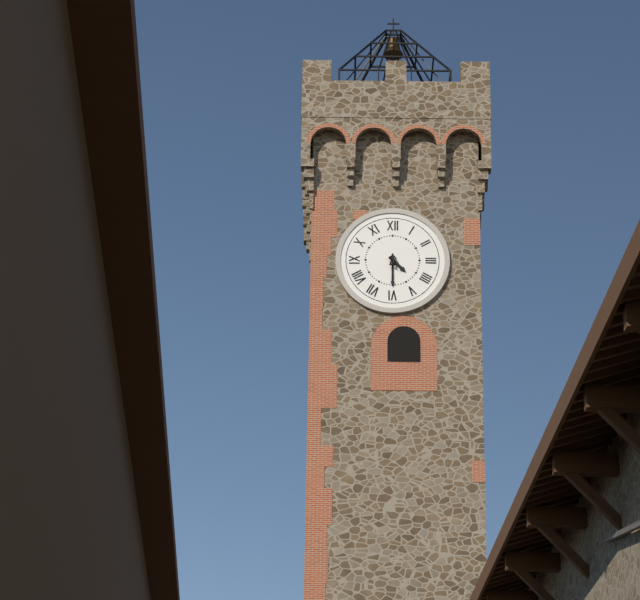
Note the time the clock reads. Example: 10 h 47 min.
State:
4 h 30 min
